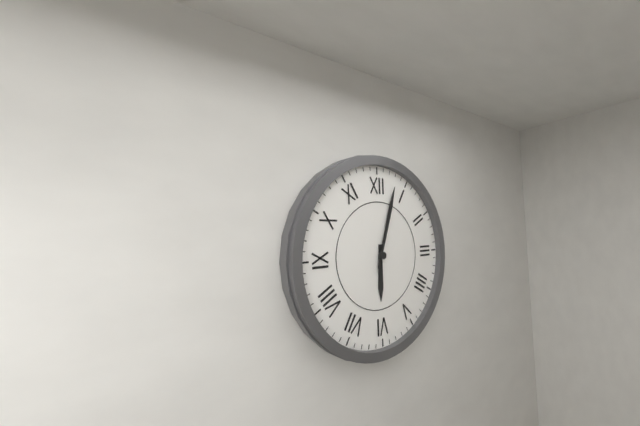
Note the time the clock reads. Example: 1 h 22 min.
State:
6 h 03 min
